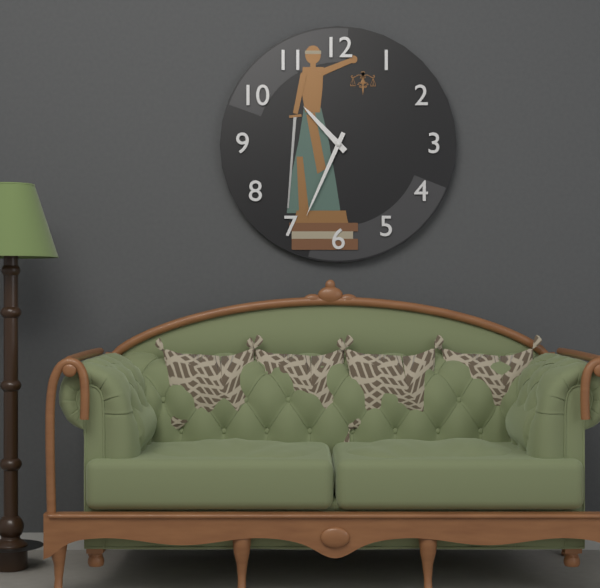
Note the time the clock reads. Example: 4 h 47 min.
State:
10 h 34 min
